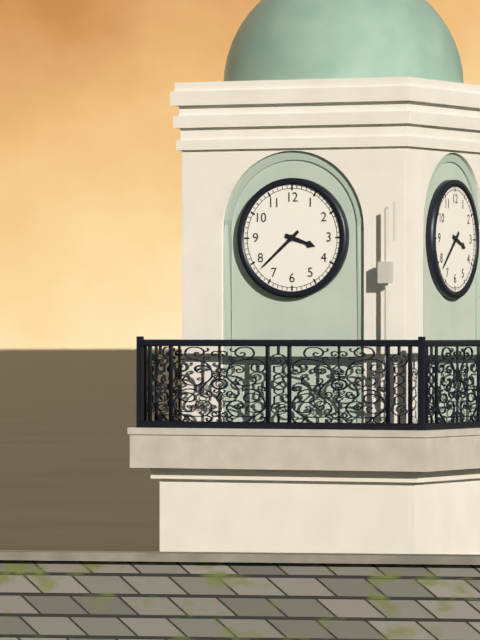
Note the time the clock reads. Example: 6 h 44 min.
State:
3 h 38 min
